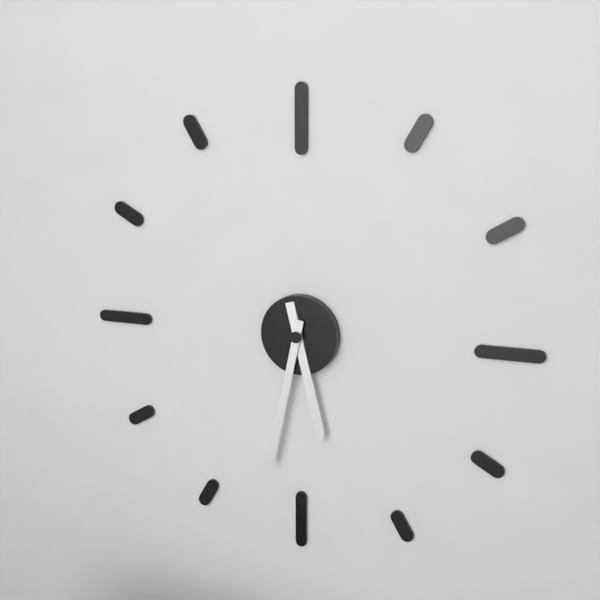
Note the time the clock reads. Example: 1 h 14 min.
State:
5 h 32 min
